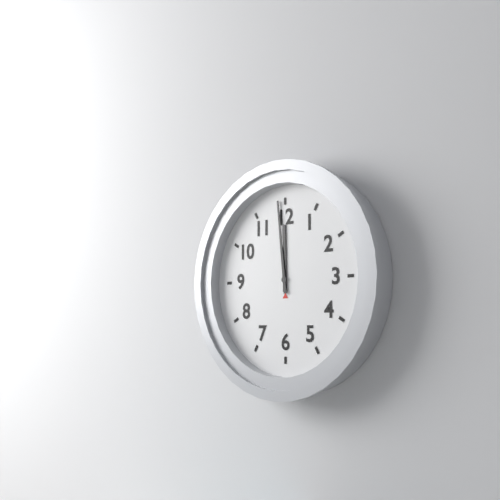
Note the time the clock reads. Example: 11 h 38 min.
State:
11 h 59 min
